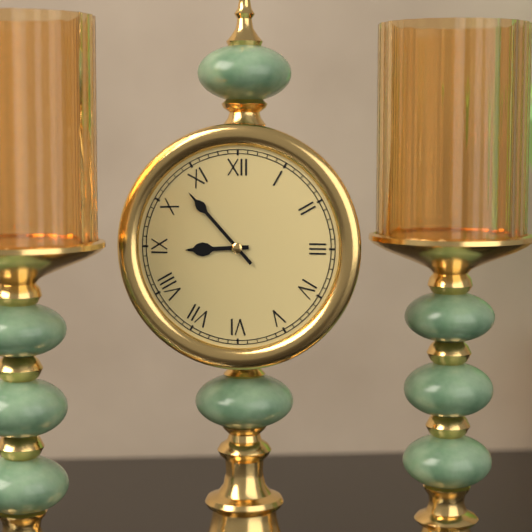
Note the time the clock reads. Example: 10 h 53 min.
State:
8 h 53 min
